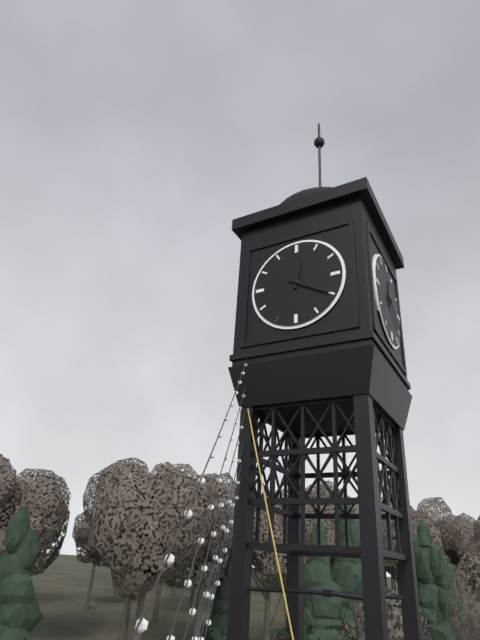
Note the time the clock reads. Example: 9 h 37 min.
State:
12 h 20 min
